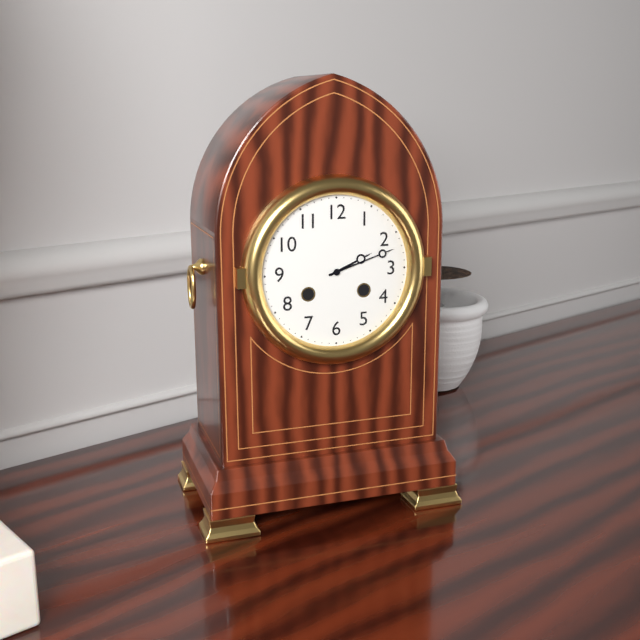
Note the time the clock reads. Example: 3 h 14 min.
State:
2 h 12 min
